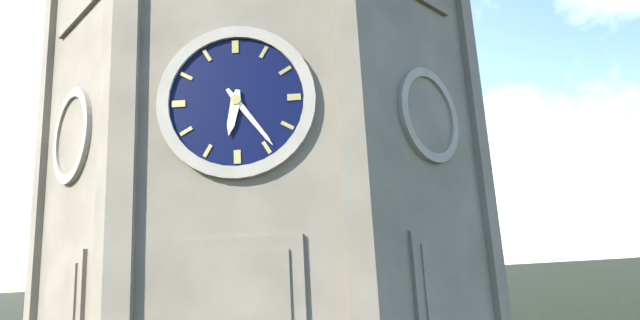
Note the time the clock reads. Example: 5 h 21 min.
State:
6 h 24 min
